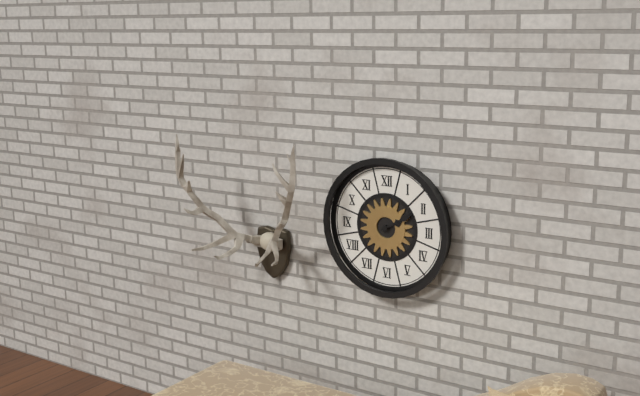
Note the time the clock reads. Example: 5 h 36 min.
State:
2 h 10 min
